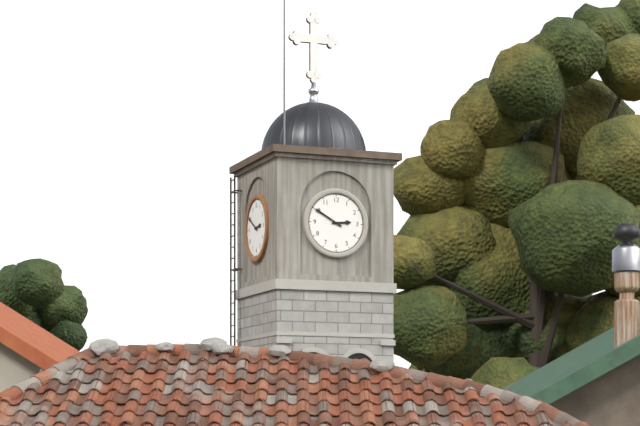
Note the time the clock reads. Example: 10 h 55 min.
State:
2 h 50 min
